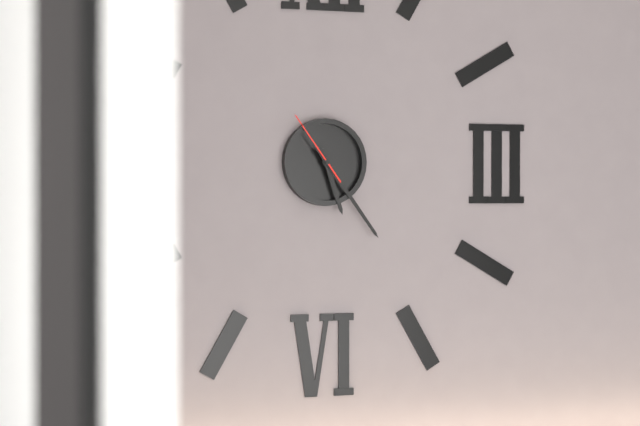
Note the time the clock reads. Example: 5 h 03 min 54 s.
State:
5 h 24 min 54 s
